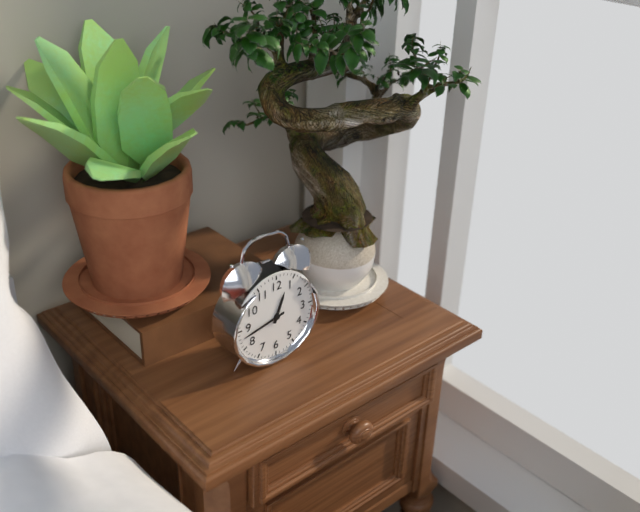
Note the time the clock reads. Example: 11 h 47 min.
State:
12 h 43 min
